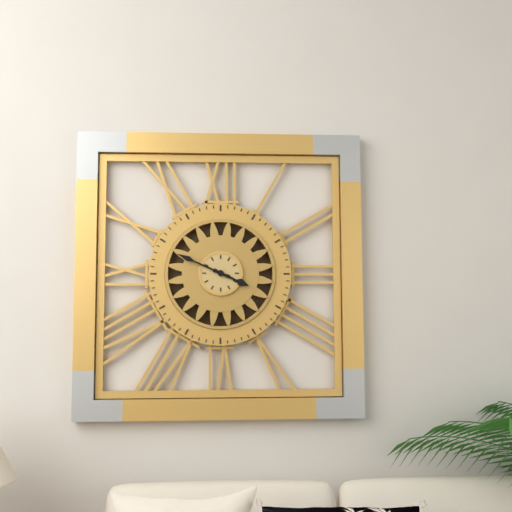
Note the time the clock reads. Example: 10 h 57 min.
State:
3 h 49 min
